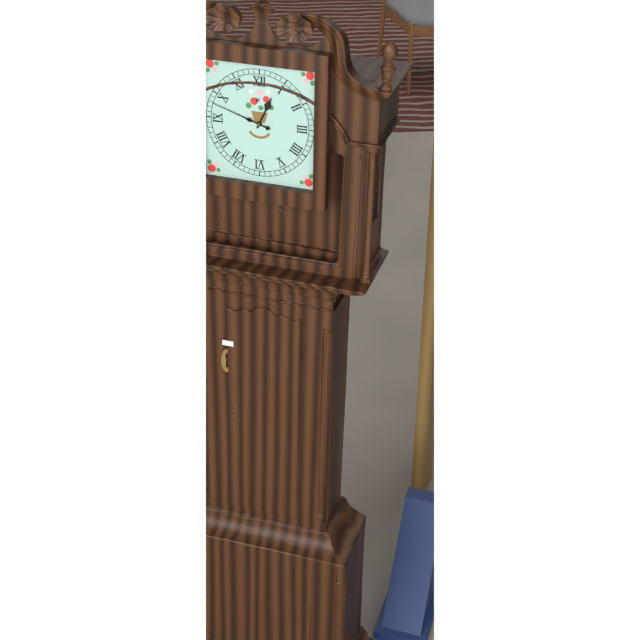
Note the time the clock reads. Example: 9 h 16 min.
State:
12 h 48 min
